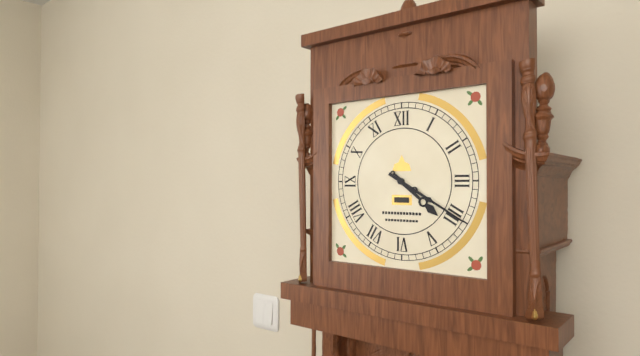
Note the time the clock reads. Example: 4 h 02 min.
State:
4 h 20 min
